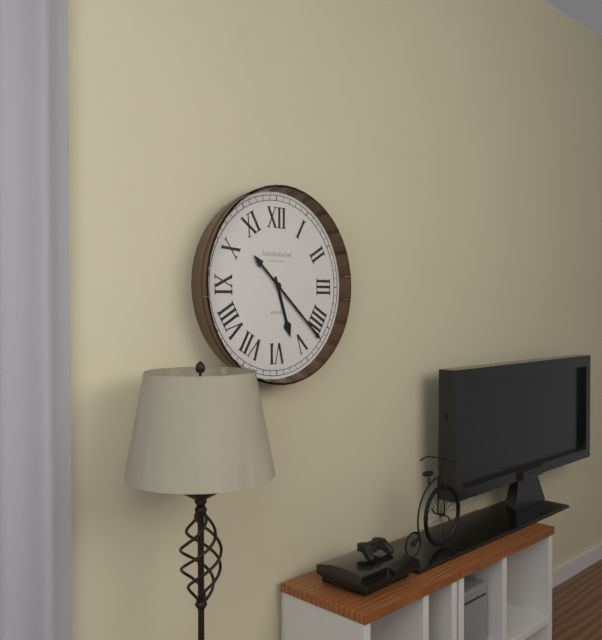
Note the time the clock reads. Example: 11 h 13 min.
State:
5 h 22 min
